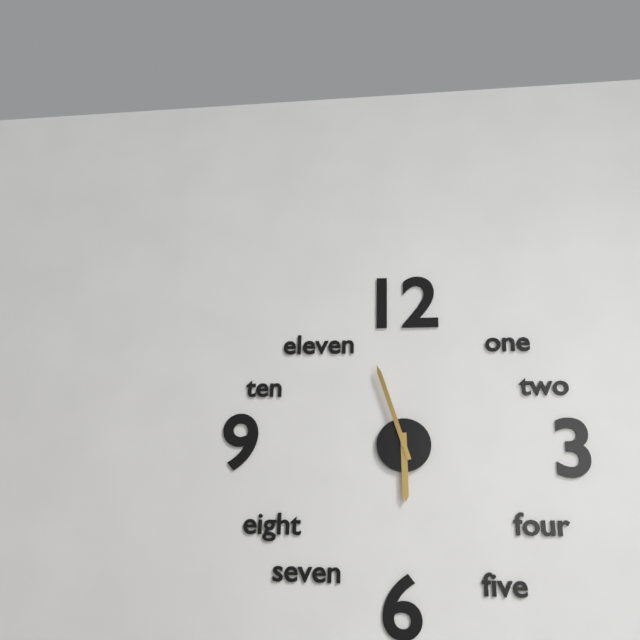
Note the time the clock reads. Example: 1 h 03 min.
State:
5 h 57 min
